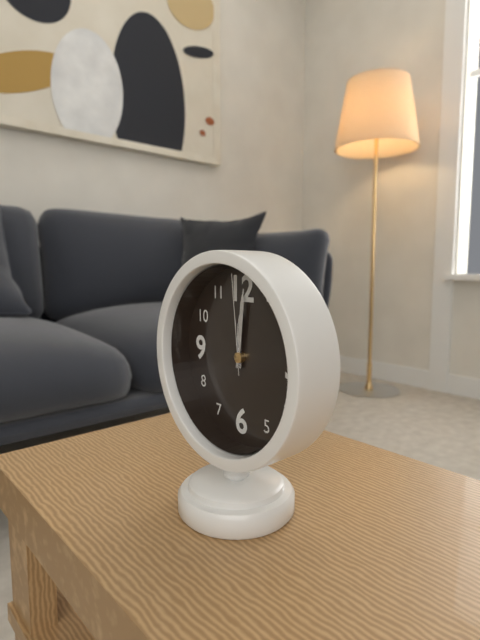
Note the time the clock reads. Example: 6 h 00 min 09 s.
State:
12 h 01 min 59 s
